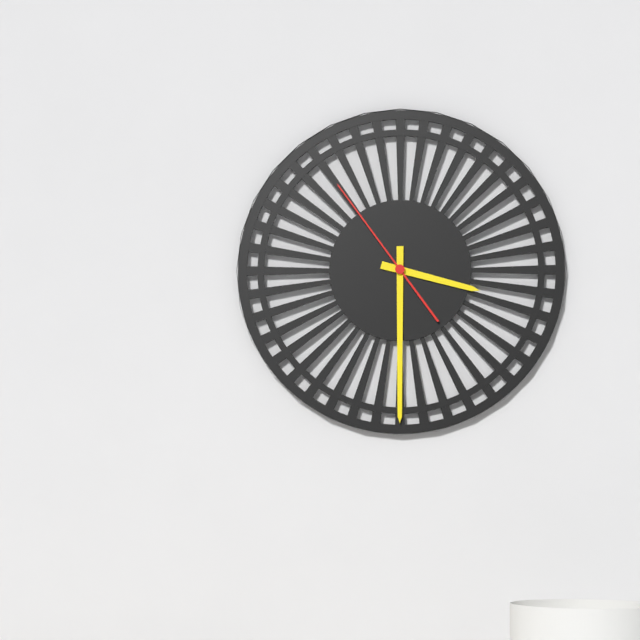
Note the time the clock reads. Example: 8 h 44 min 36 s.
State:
3 h 30 min 54 s
